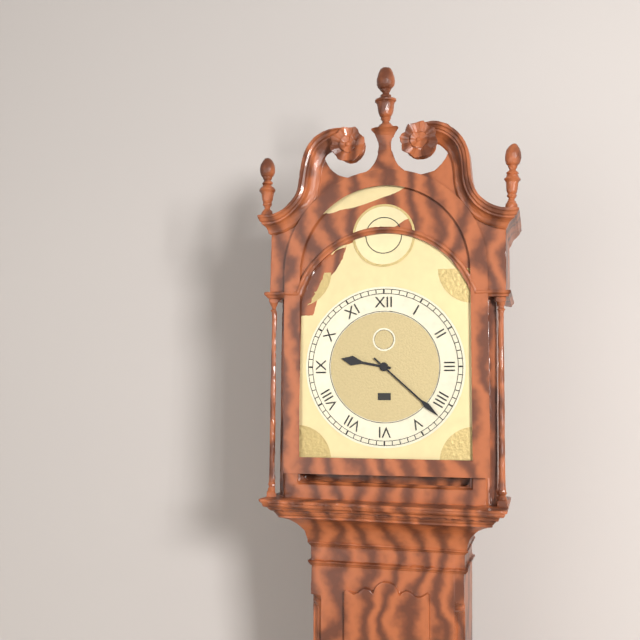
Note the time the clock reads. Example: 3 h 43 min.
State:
9 h 22 min
